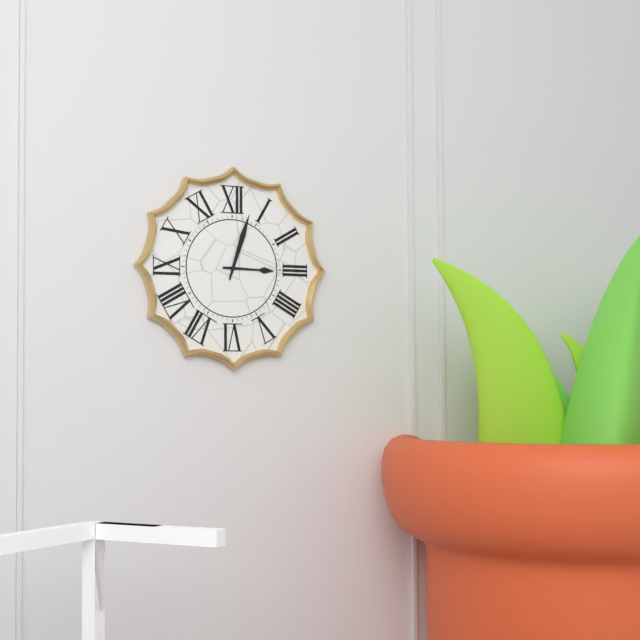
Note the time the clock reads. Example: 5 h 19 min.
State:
3 h 03 min
